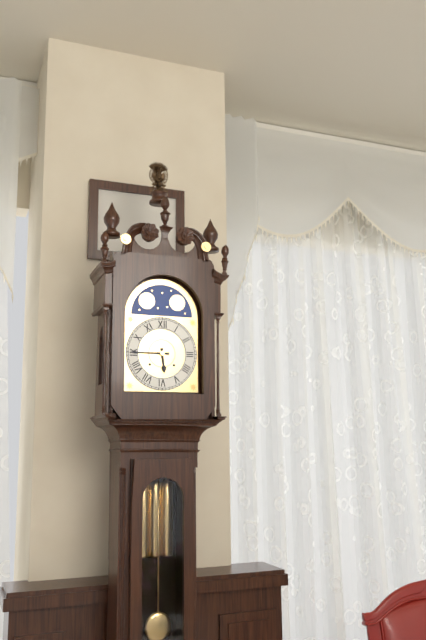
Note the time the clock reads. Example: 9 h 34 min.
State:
5 h 45 min
